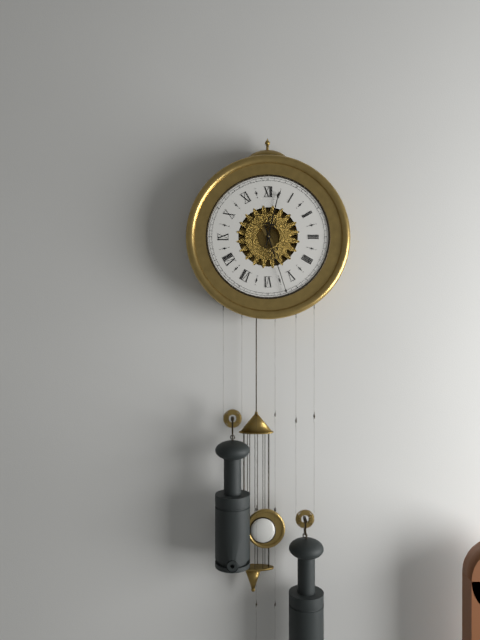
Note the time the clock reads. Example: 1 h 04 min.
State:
12 h 27 min
